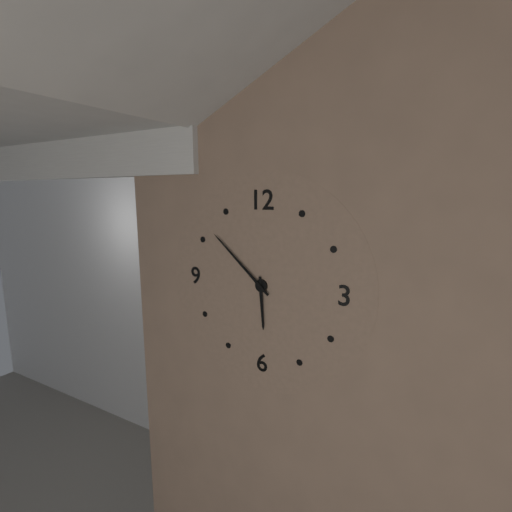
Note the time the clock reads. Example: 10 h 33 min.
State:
5 h 52 min
